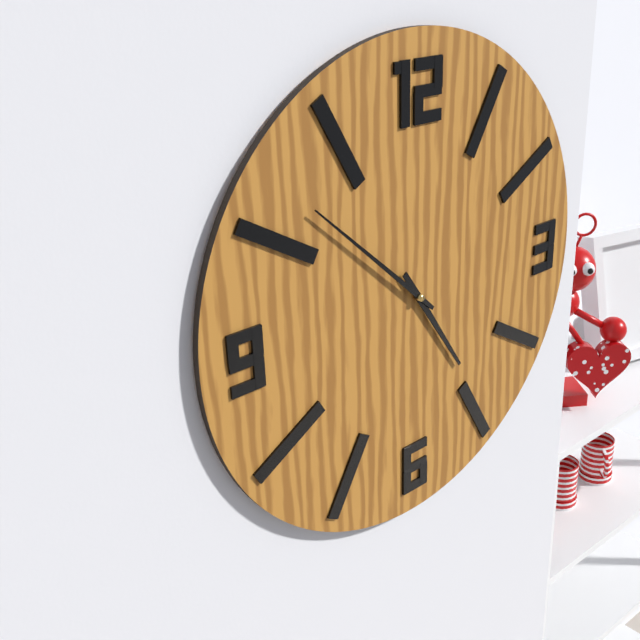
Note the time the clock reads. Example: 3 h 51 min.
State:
4 h 52 min
